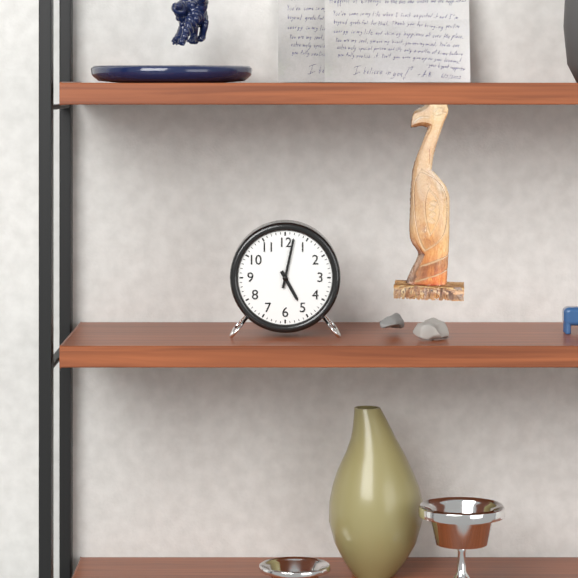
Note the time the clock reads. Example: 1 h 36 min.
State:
5 h 02 min
